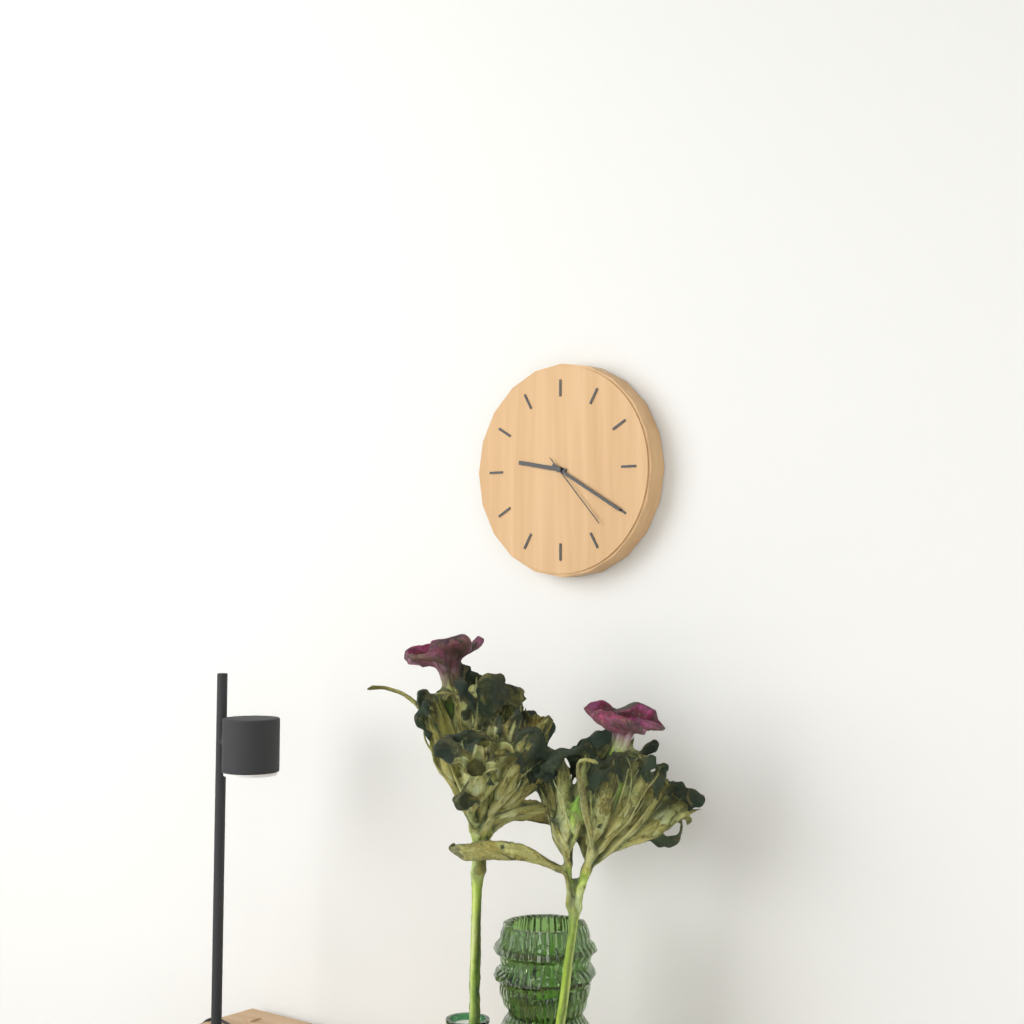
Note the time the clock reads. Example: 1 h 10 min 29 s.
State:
9 h 20 min 23 s
